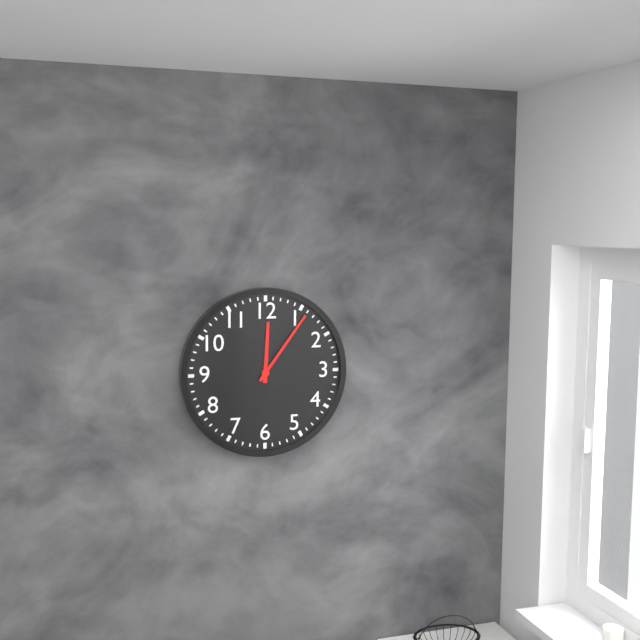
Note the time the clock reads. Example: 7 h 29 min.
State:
12 h 06 min
